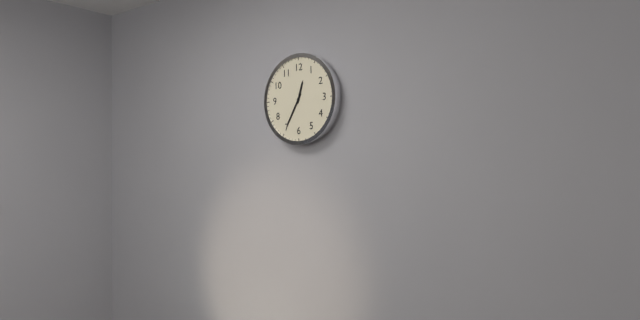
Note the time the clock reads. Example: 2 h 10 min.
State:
12 h 35 min
